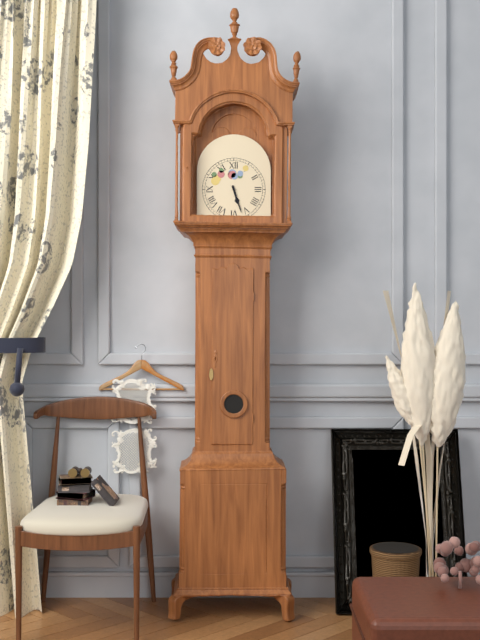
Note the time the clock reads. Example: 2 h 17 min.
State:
5 h 27 min
